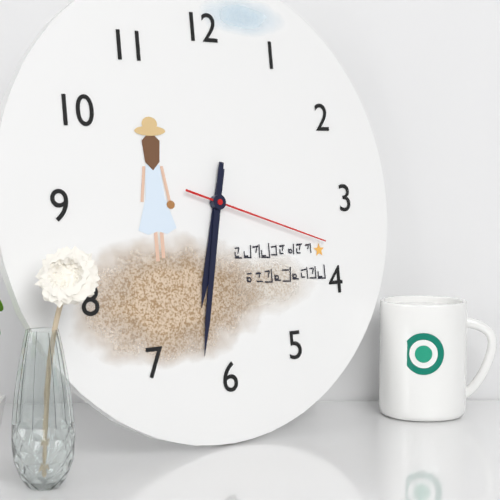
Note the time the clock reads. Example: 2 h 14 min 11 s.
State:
6 h 32 min 18 s
